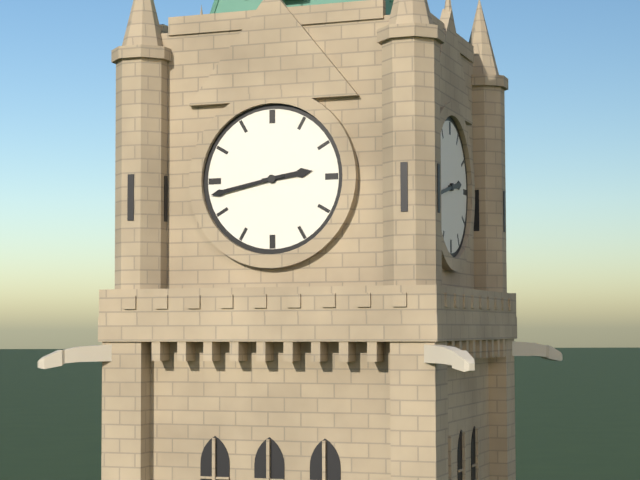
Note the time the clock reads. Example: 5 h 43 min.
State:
2 h 43 min
